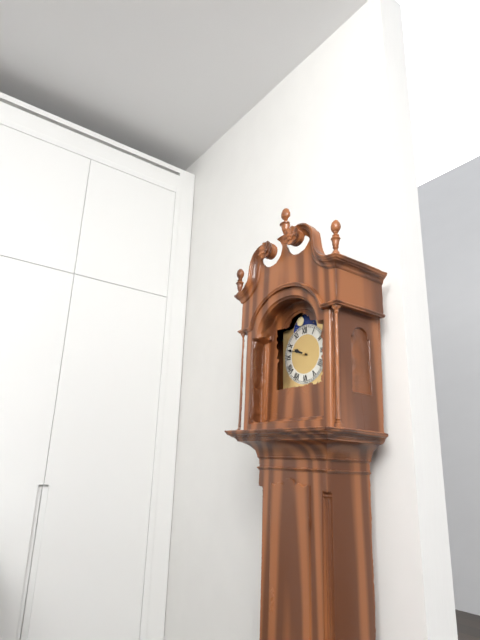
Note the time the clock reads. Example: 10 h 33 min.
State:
9 h 48 min
